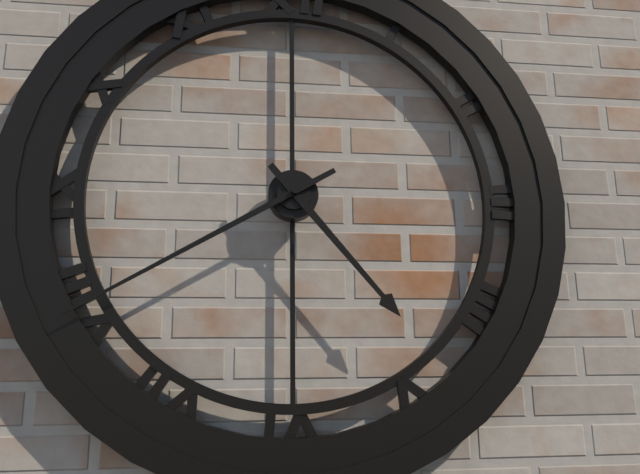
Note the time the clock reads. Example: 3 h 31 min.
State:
4 h 40 min
